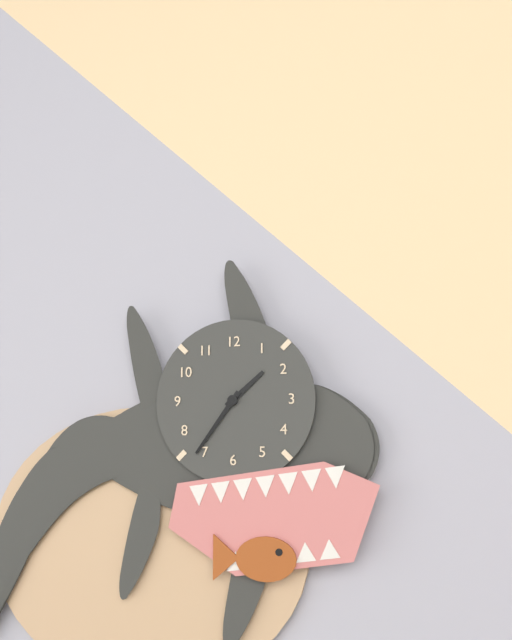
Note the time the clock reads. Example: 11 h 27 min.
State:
1 h 36 min
